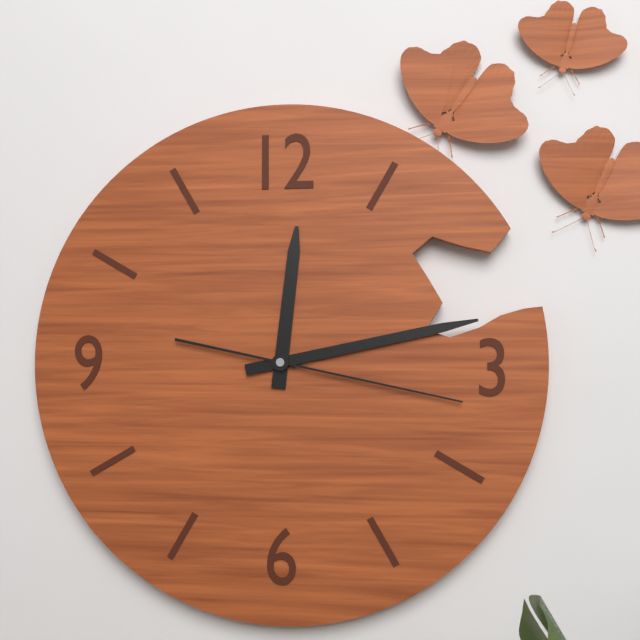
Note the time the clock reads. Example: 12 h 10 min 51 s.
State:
12 h 13 min 17 s
